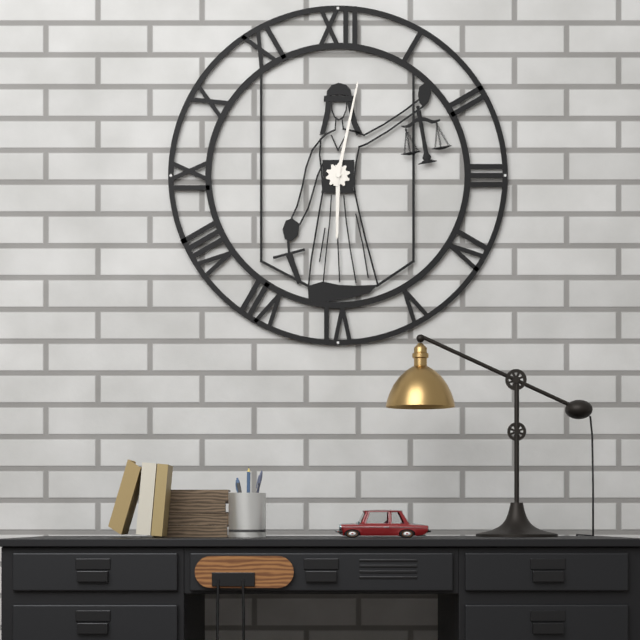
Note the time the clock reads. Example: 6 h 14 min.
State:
6 h 02 min
